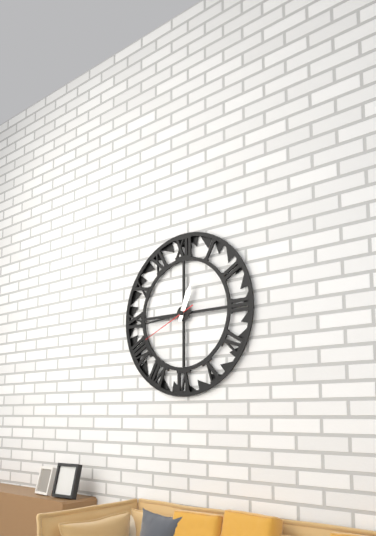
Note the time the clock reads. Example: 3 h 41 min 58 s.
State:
12 h 44 min 41 s
